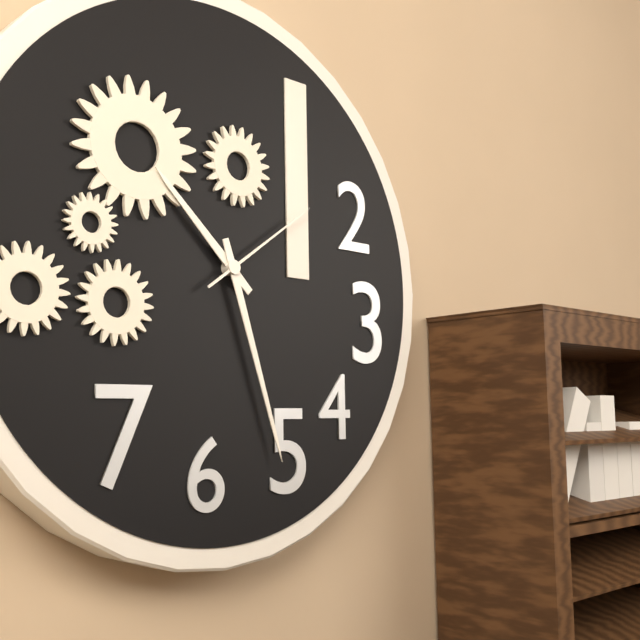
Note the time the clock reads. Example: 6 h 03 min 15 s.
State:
10 h 27 min 09 s
